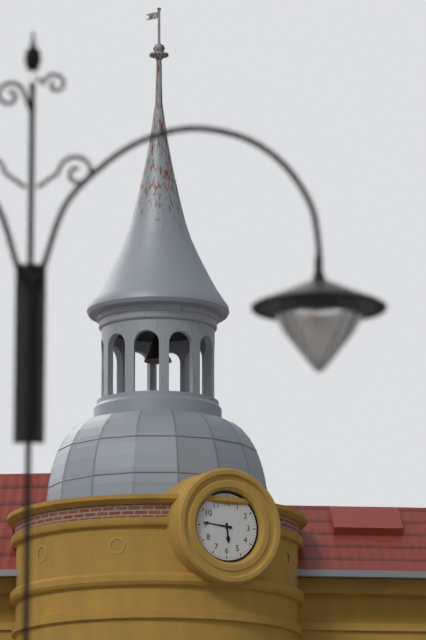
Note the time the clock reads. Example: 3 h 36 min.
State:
5 h 46 min
